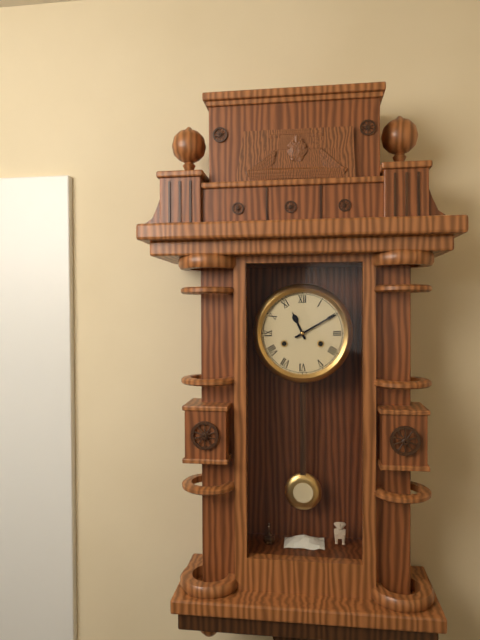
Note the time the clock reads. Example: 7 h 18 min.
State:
11 h 10 min
